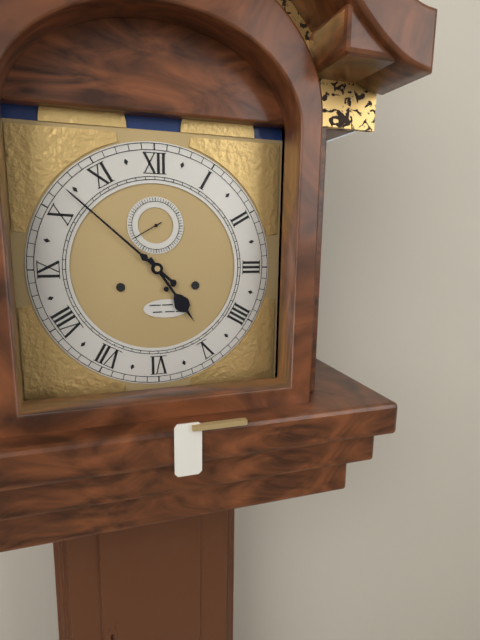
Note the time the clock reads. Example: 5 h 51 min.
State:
4 h 52 min
